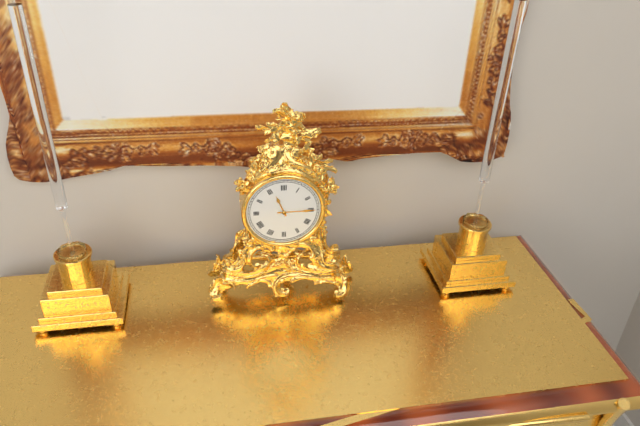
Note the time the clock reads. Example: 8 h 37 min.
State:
11 h 15 min
